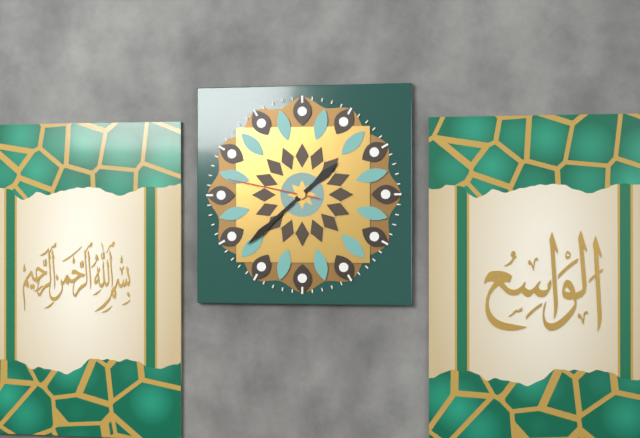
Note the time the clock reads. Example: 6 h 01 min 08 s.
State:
1 h 38 min 47 s
